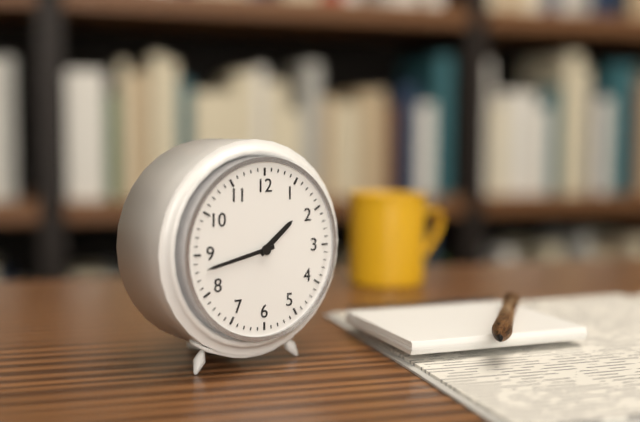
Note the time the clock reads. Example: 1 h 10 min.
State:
1 h 43 min
